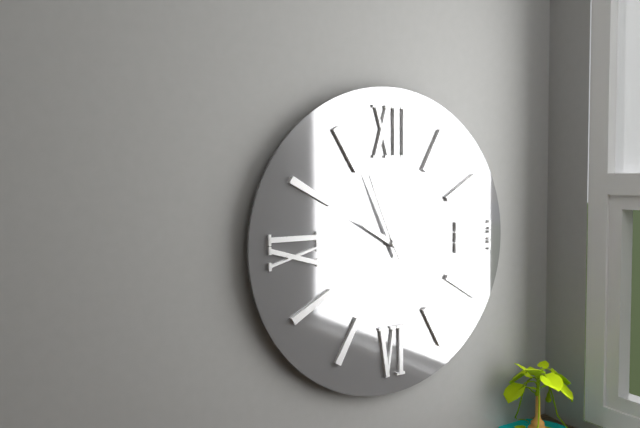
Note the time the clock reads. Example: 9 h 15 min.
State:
9 h 56 min
